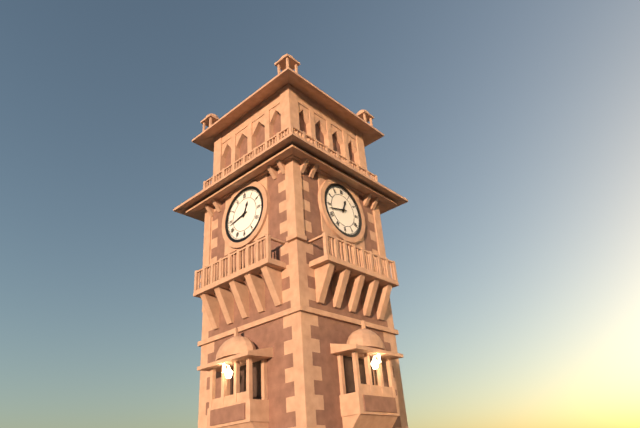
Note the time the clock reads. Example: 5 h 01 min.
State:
12 h 43 min
